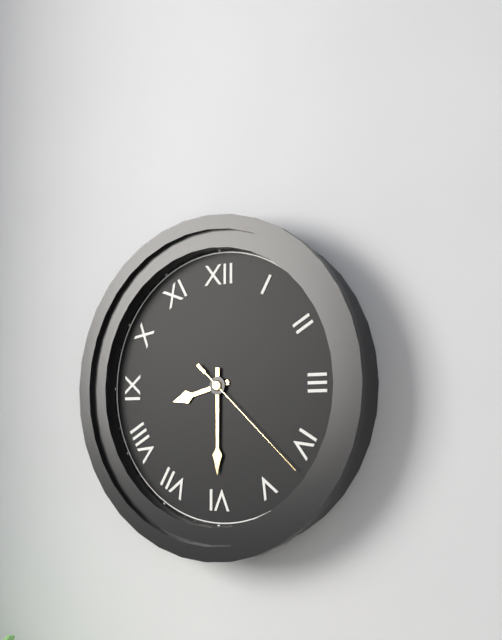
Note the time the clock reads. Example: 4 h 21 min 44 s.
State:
8 h 30 min 22 s
